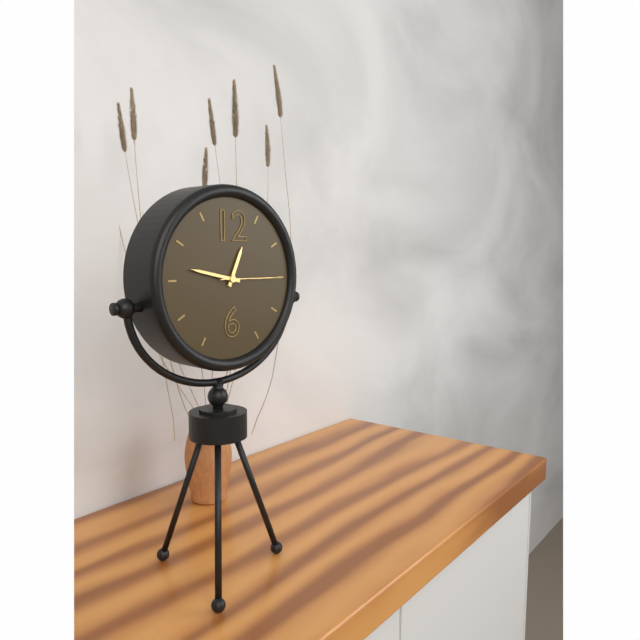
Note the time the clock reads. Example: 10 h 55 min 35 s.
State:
12 h 47 min 15 s
